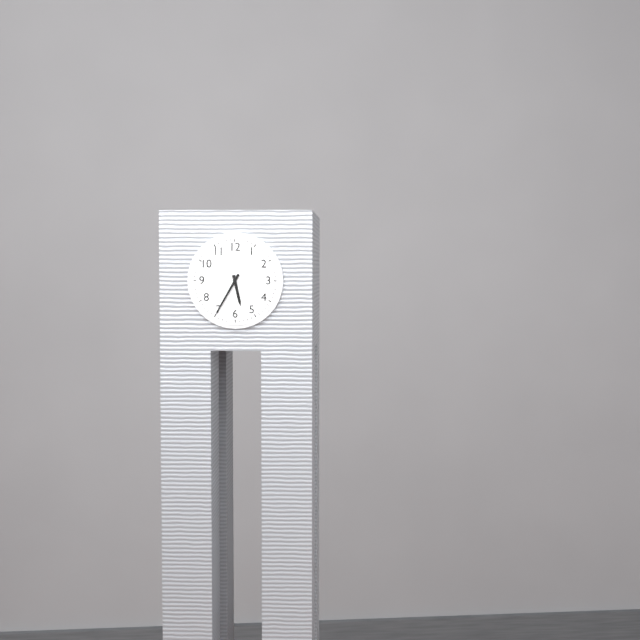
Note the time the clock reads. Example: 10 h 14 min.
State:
5 h 35 min
